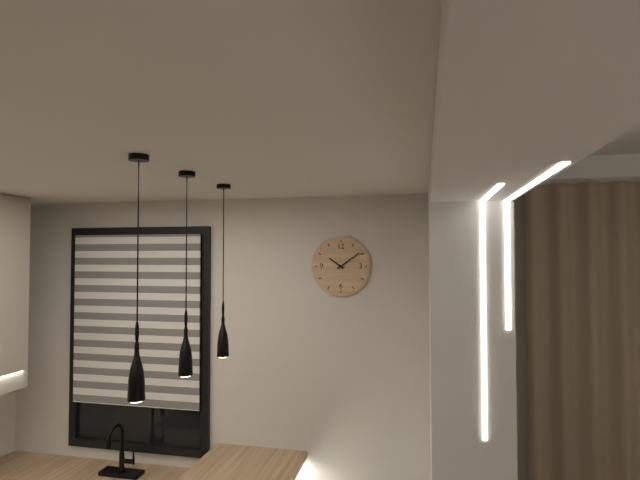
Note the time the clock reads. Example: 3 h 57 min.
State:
10 h 09 min
